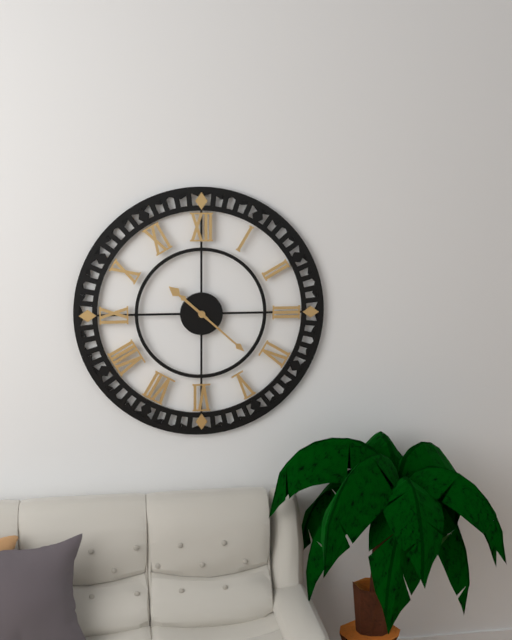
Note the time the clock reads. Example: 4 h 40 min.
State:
10 h 22 min
